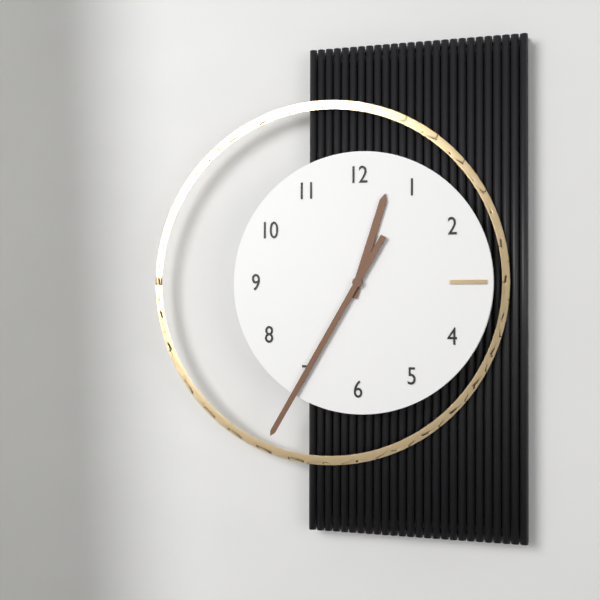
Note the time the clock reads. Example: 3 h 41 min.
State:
12 h 35 min
